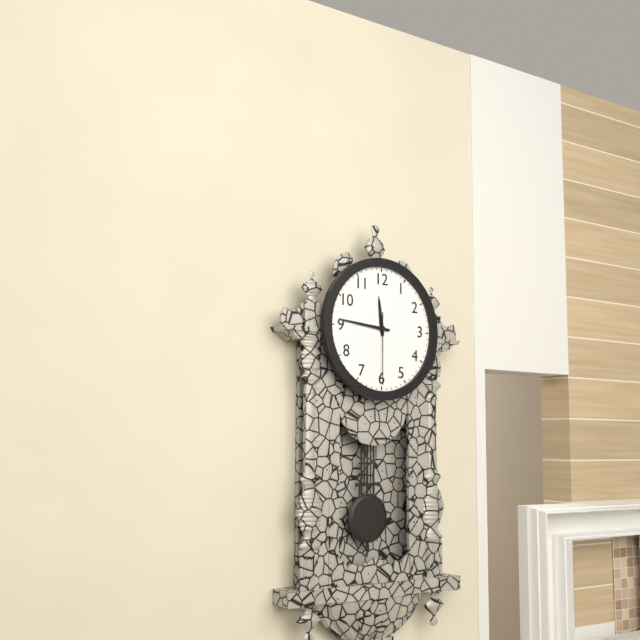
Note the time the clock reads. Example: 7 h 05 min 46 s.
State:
11 h 46 min 30 s
